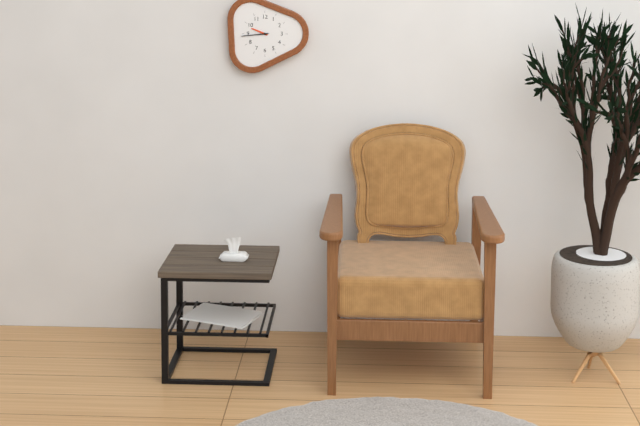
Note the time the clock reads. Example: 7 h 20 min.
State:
9 h 44 min
